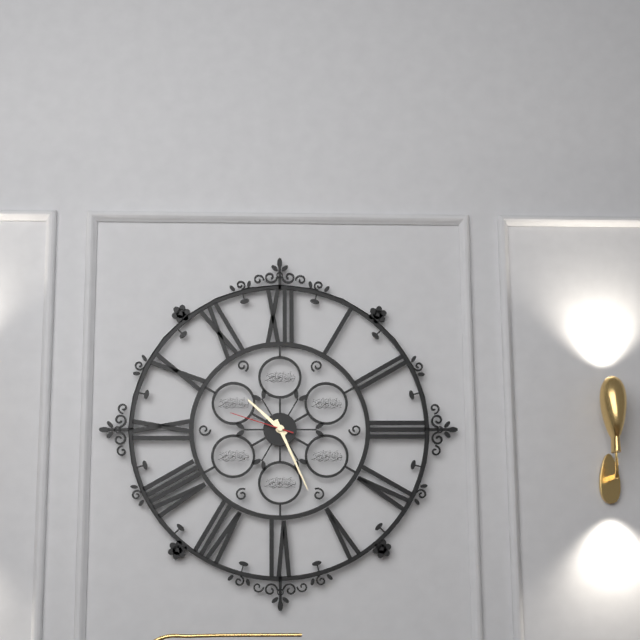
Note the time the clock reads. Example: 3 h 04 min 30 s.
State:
10 h 26 min 48 s
